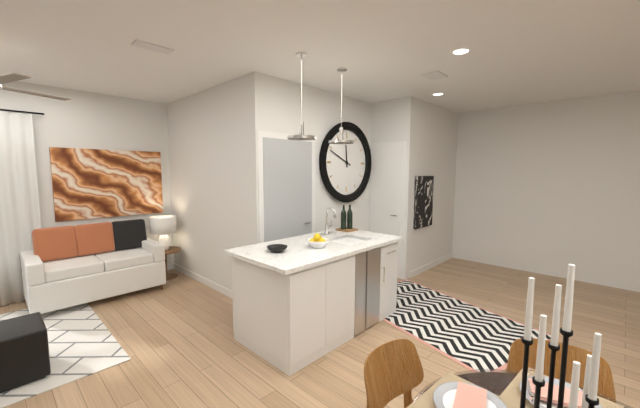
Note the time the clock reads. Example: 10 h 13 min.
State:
11 h 49 min
